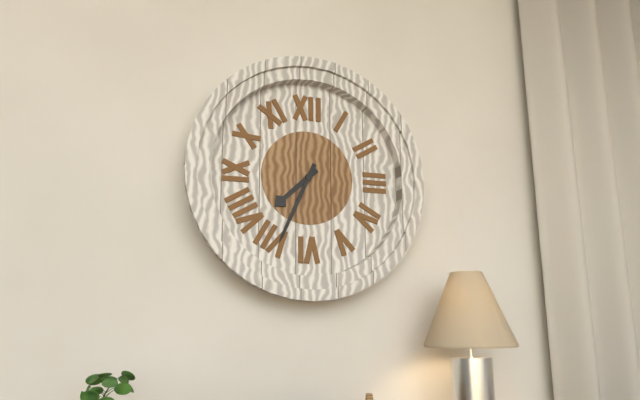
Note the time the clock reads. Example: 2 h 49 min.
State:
7 h 34 min
